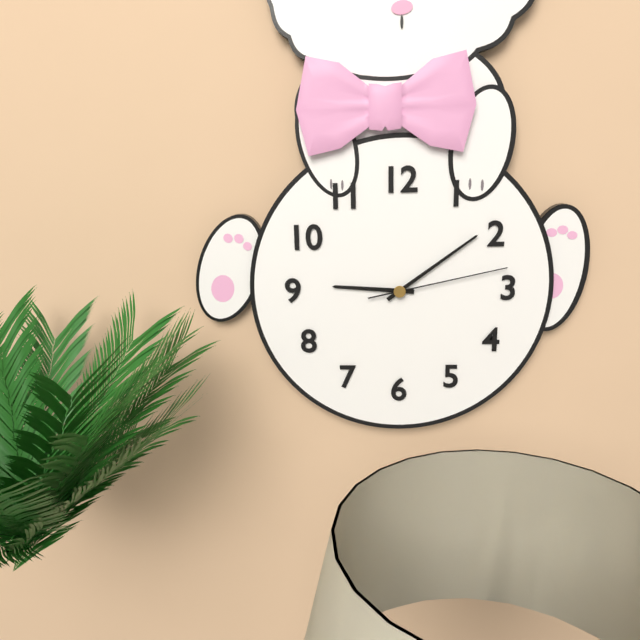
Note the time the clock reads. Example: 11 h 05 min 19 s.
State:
9 h 09 min 13 s
